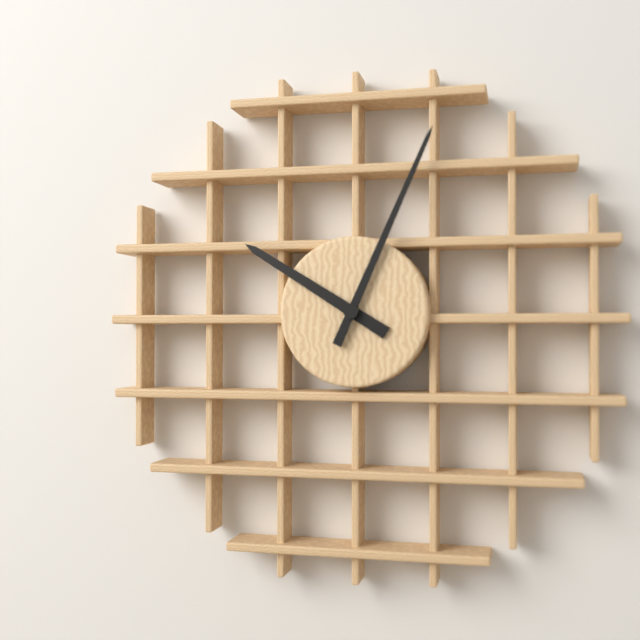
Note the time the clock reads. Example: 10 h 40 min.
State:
10 h 04 min
